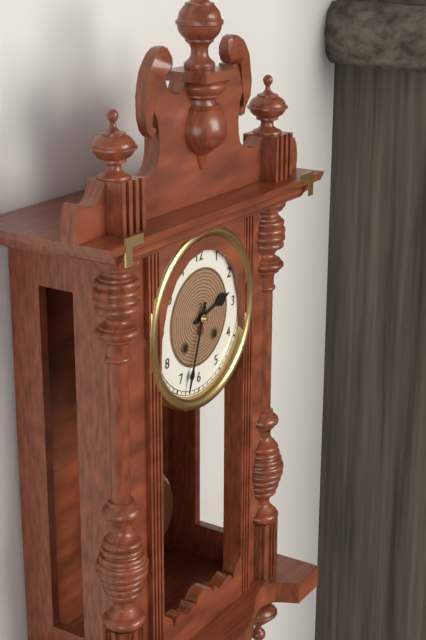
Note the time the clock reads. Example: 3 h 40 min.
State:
2 h 33 min
